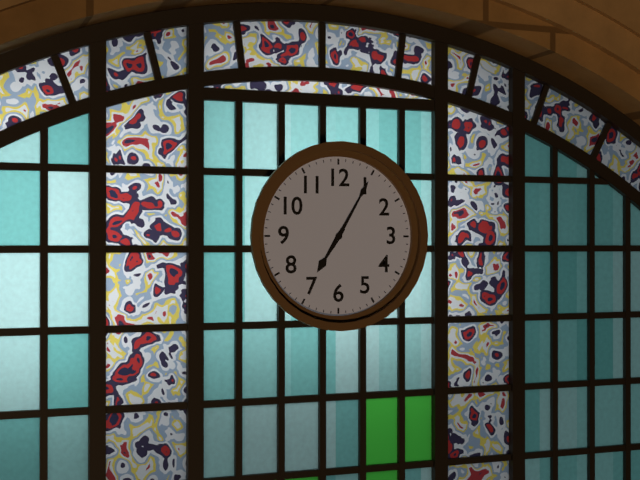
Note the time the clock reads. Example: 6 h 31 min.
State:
7 h 05 min
